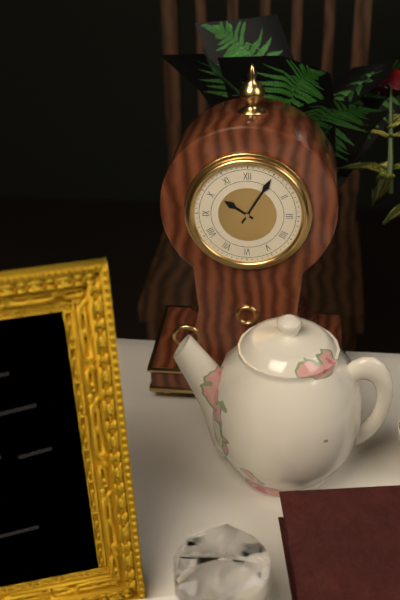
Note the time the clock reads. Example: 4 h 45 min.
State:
10 h 05 min
